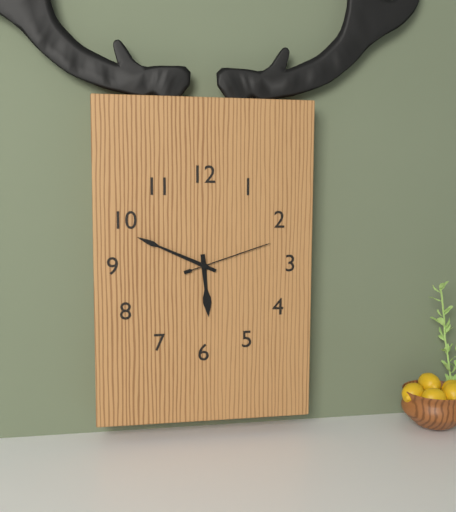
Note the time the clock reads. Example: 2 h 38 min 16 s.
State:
5 h 49 min 12 s
